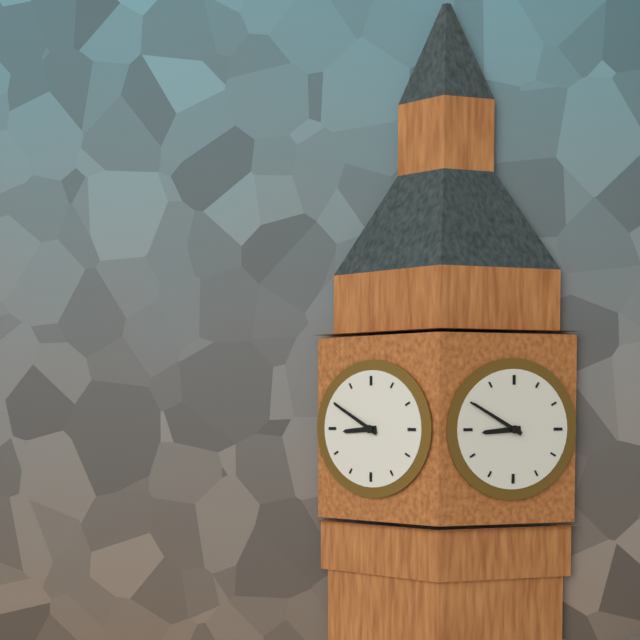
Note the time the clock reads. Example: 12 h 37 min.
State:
8 h 50 min
